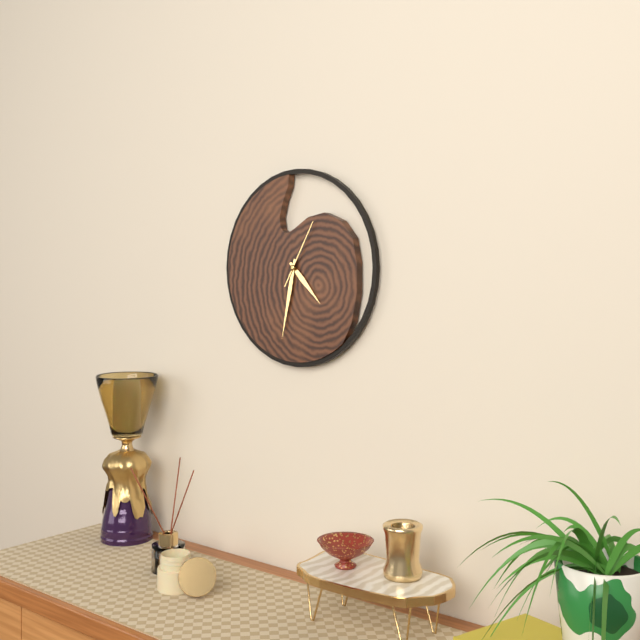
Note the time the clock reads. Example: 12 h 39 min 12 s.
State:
4 h 32 min 05 s
